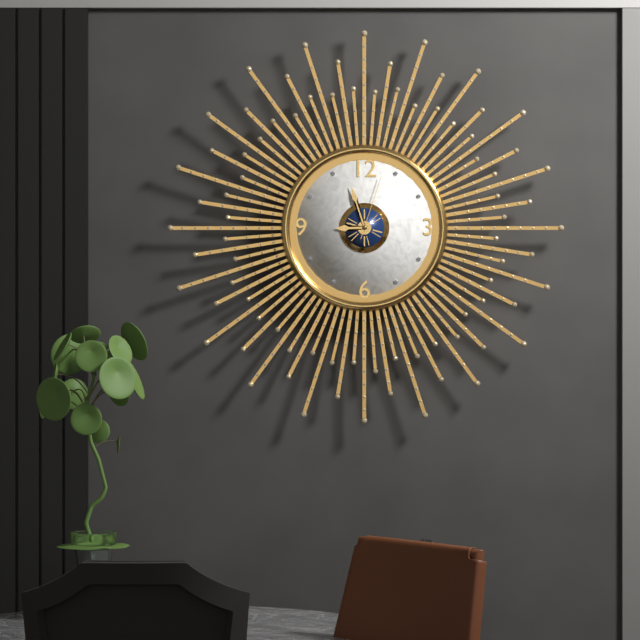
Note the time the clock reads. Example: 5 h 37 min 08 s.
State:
8 h 57 min 03 s
